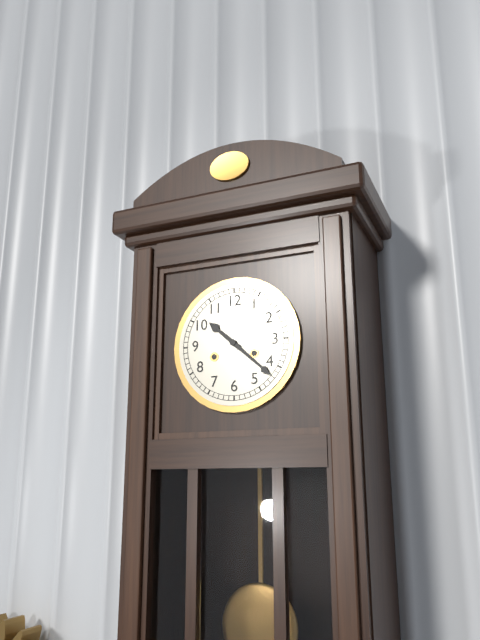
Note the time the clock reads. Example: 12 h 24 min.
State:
10 h 22 min
